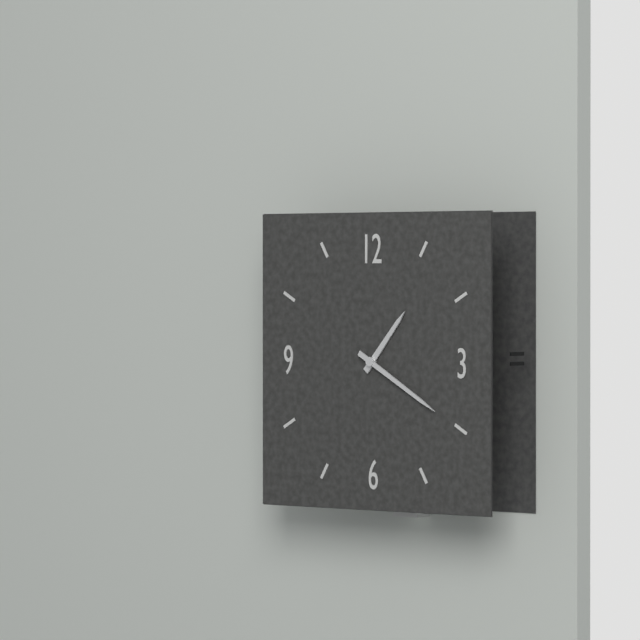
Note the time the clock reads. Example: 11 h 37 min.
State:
1 h 20 min
